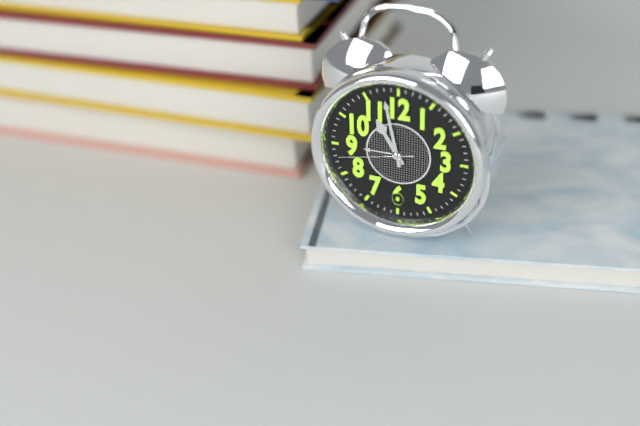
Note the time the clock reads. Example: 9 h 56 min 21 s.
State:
10 h 58 min 43 s
